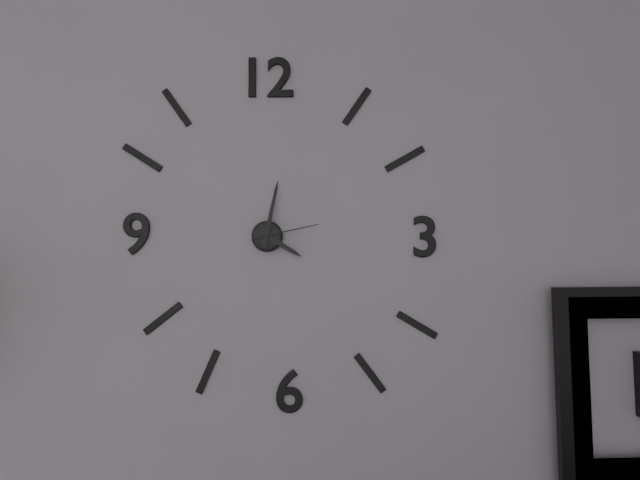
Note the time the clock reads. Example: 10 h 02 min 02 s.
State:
4 h 02 min 13 s
